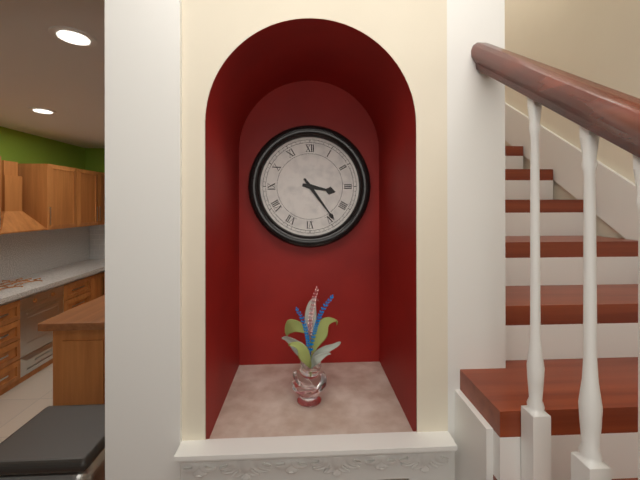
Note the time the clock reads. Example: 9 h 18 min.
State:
3 h 24 min
